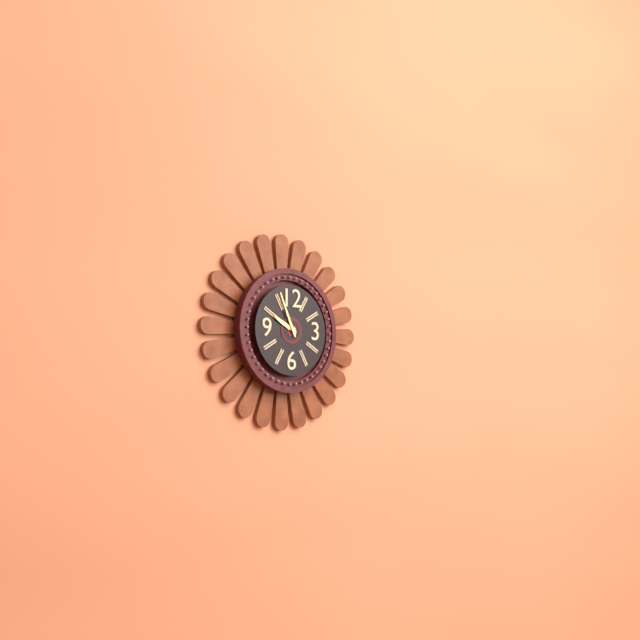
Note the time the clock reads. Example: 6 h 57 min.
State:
9 h 56 min
